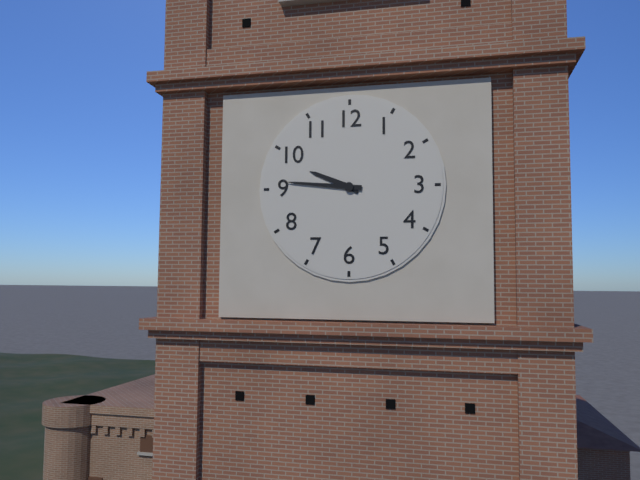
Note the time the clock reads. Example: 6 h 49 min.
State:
9 h 46 min
